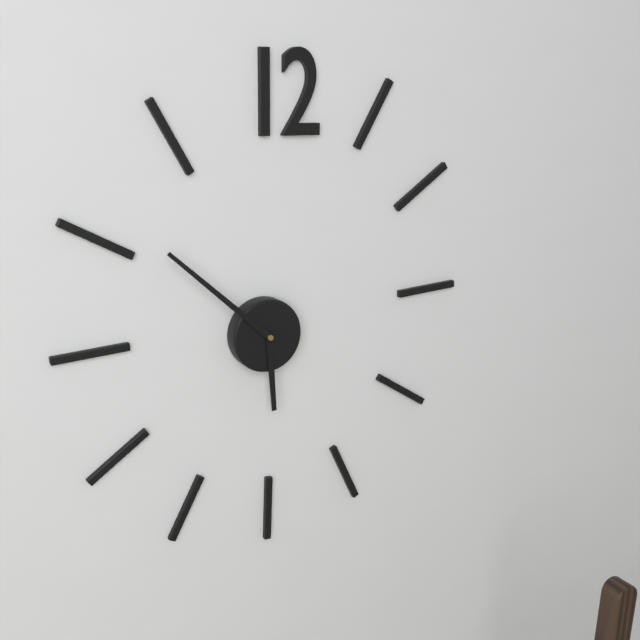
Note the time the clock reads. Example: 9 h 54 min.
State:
5 h 52 min
